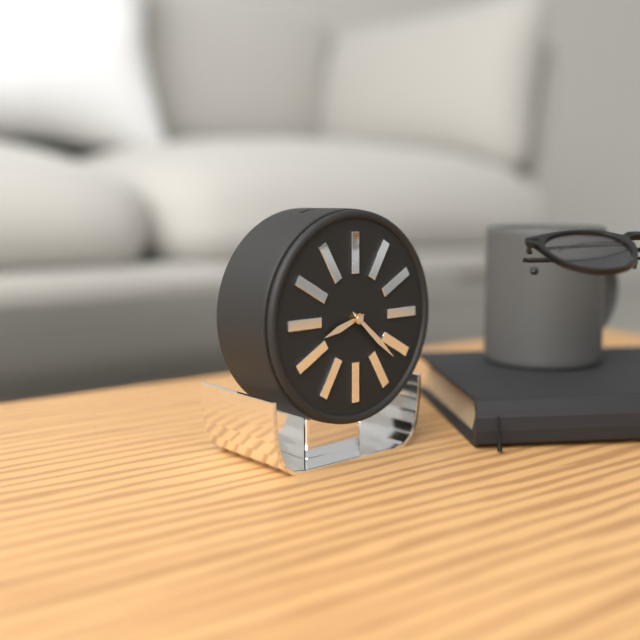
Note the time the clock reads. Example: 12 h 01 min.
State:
8 h 22 min
